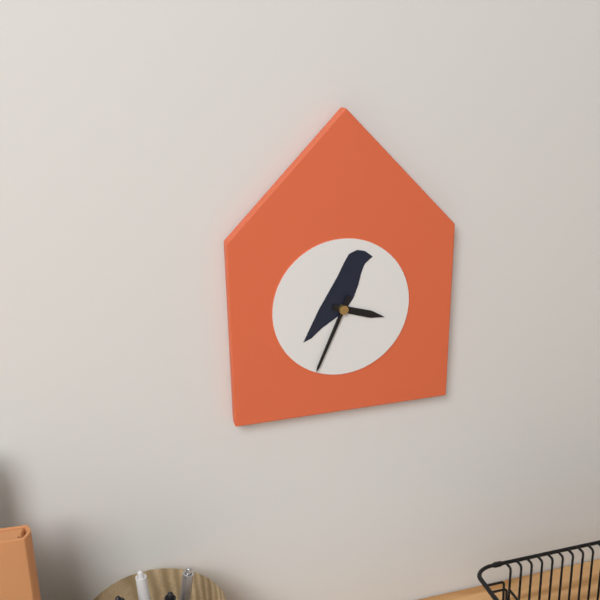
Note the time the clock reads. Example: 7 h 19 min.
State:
3 h 34 min
